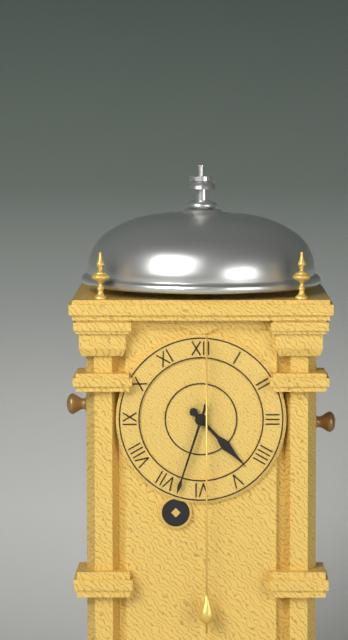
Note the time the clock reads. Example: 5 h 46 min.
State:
4 h 33 min
